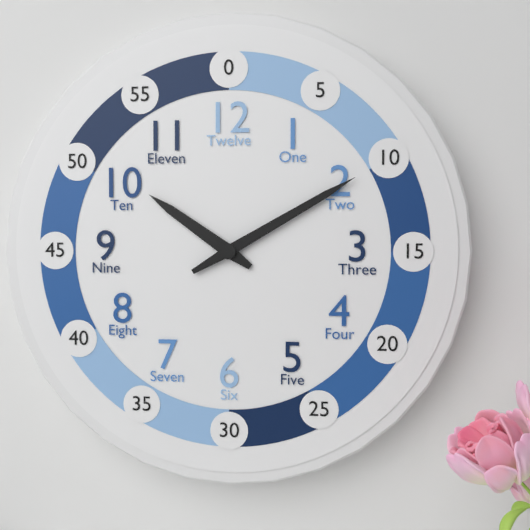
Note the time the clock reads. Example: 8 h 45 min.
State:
10 h 10 min
